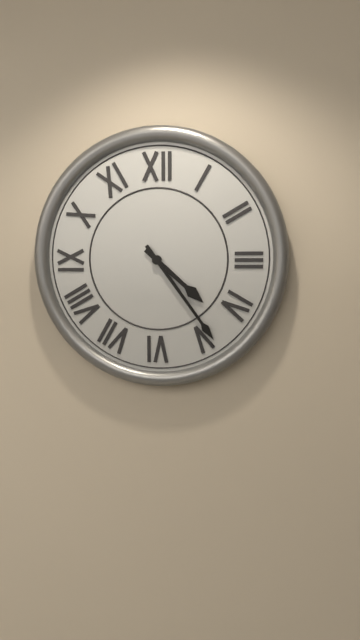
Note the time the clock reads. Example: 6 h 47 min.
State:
4 h 24 min
